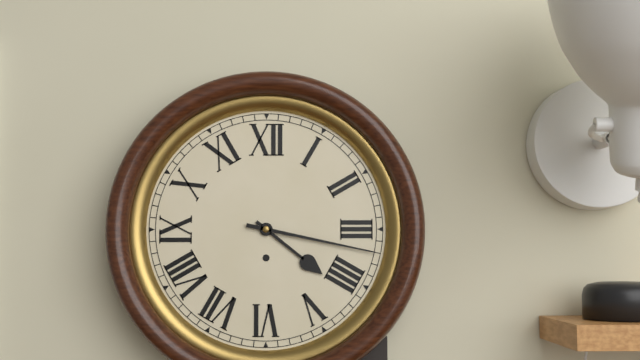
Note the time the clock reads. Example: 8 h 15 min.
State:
4 h 17 min
